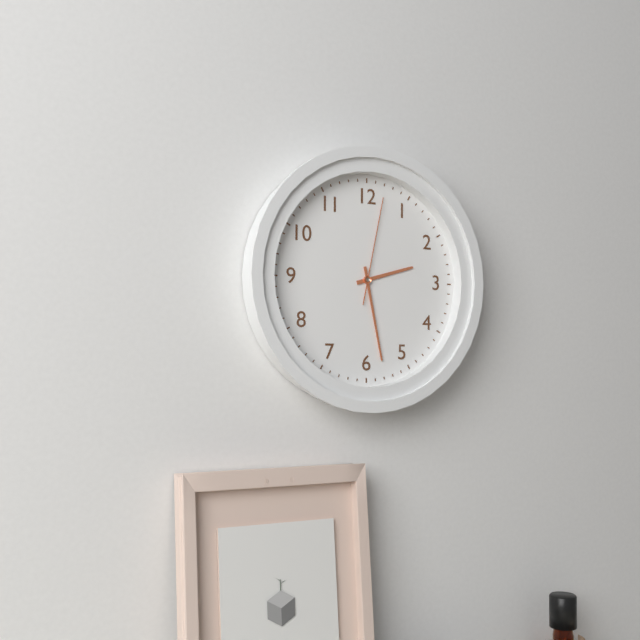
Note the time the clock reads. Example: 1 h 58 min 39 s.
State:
2 h 28 min 02 s
